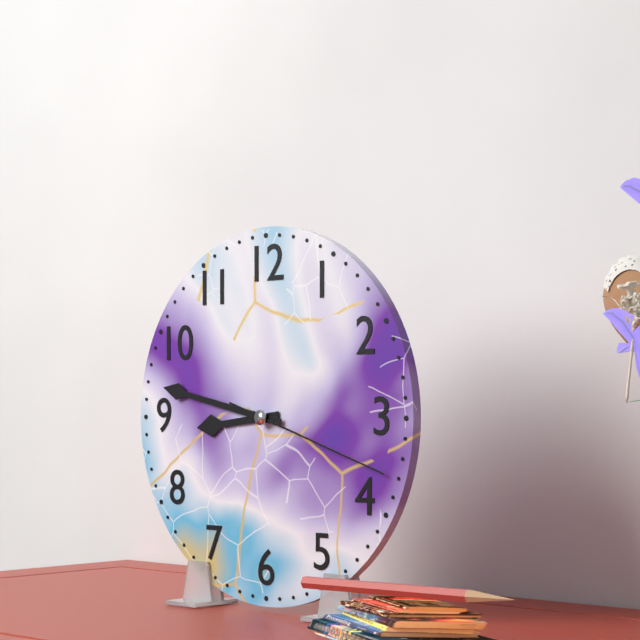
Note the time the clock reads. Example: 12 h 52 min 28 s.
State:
8 h 47 min 18 s
